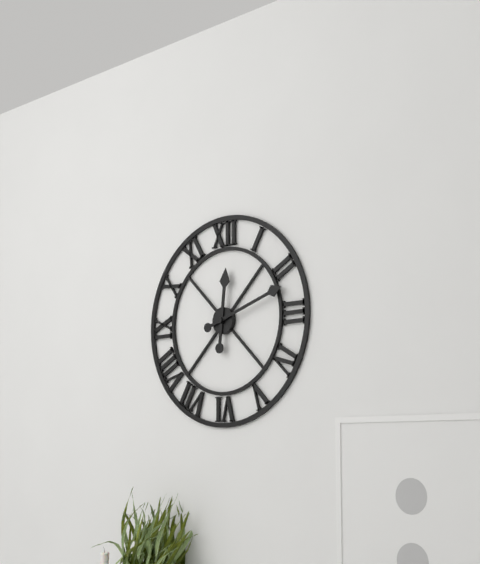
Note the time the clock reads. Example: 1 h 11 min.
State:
12 h 12 min
